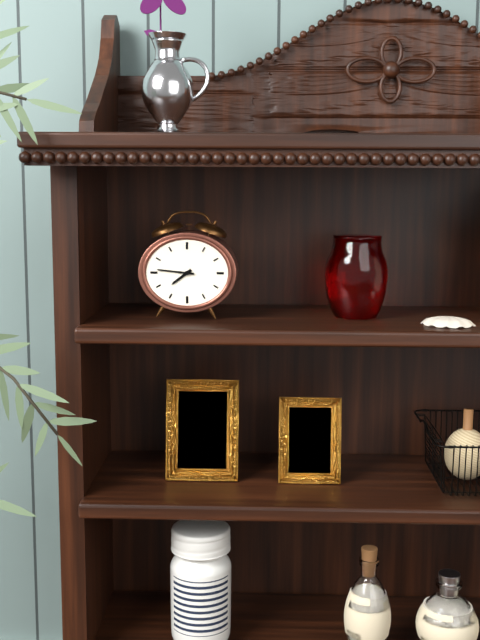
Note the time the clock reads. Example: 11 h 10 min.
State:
7 h 46 min
